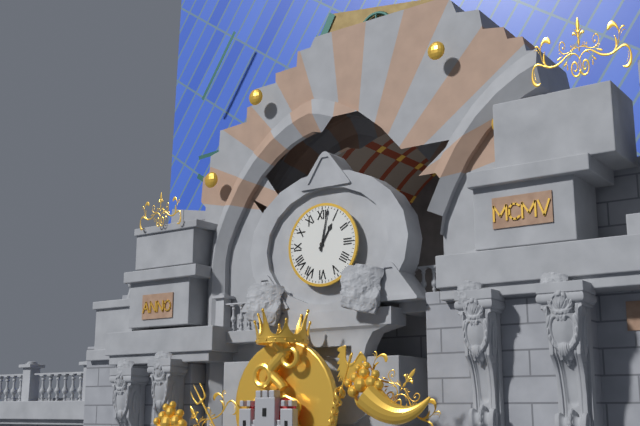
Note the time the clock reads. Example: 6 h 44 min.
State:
1 h 02 min
